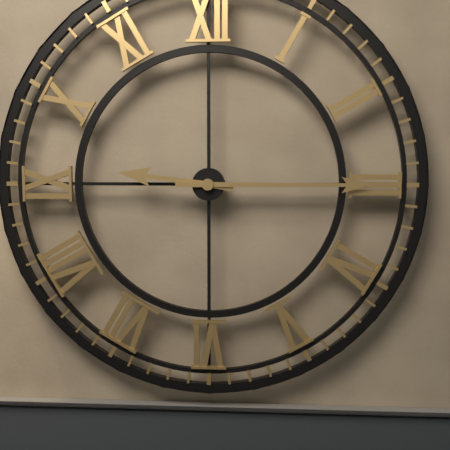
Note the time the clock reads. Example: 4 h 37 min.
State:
9 h 15 min
